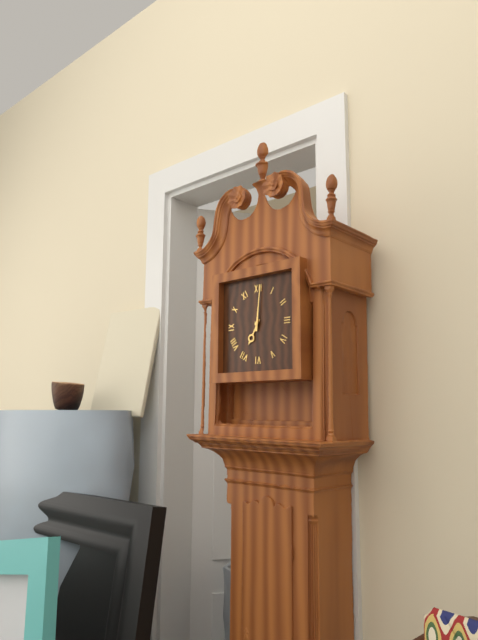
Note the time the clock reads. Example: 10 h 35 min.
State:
7 h 01 min
